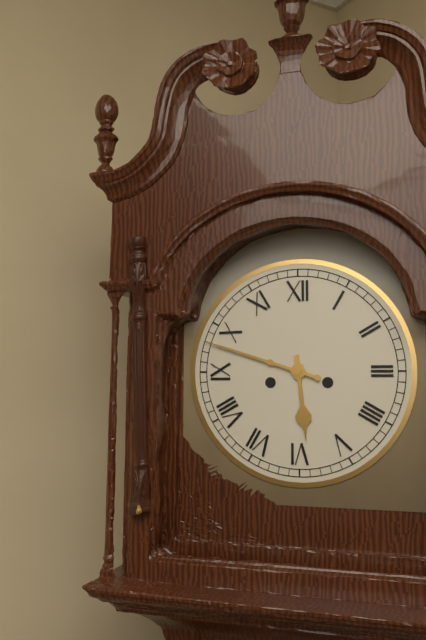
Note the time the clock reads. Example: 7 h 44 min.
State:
5 h 48 min
